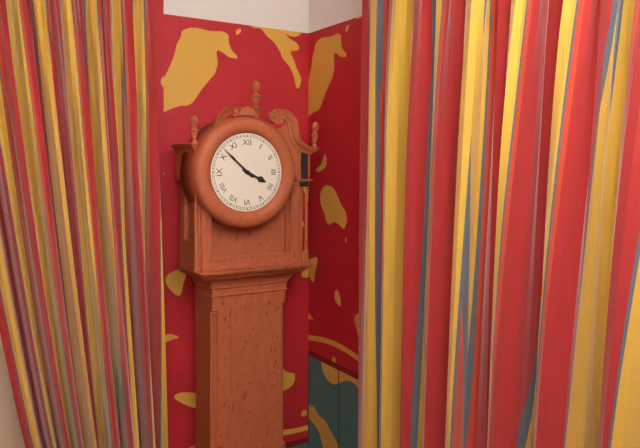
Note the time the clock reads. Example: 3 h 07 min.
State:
3 h 52 min
